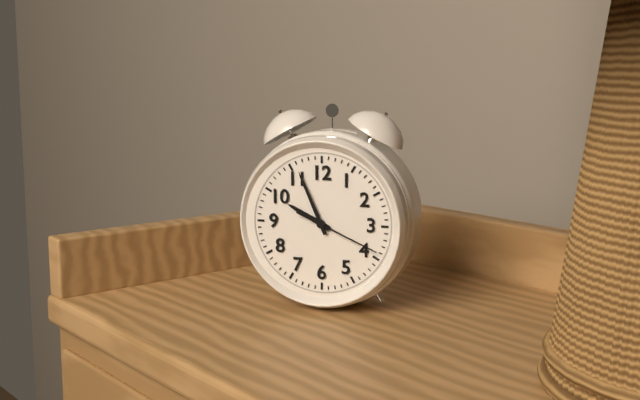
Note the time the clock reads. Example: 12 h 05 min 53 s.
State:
9 h 56 min 19 s
